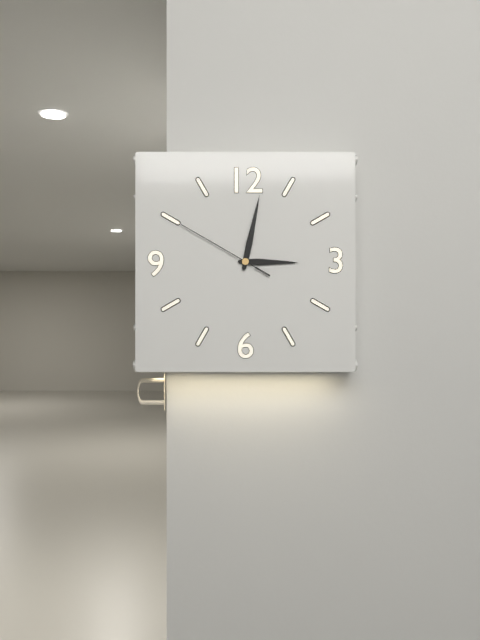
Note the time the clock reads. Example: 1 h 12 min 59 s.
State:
3 h 02 min 50 s
